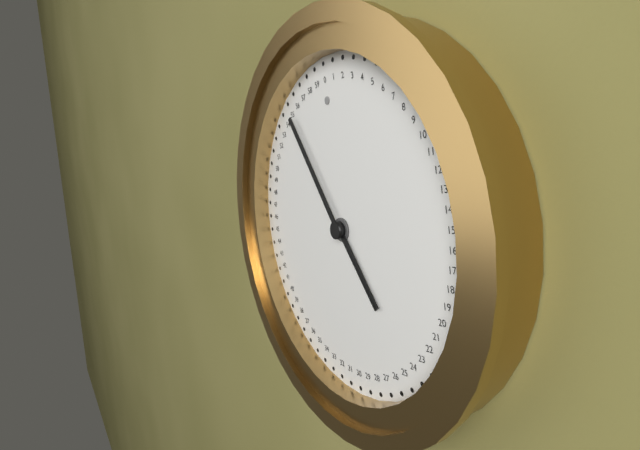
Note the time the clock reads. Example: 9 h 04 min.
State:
4 h 55 min
